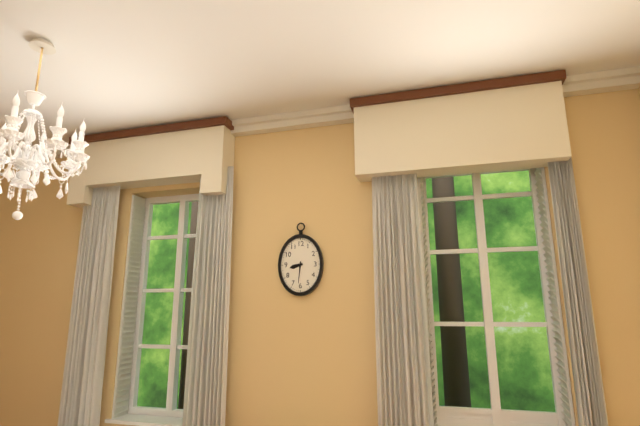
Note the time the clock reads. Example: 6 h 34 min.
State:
8 h 31 min
